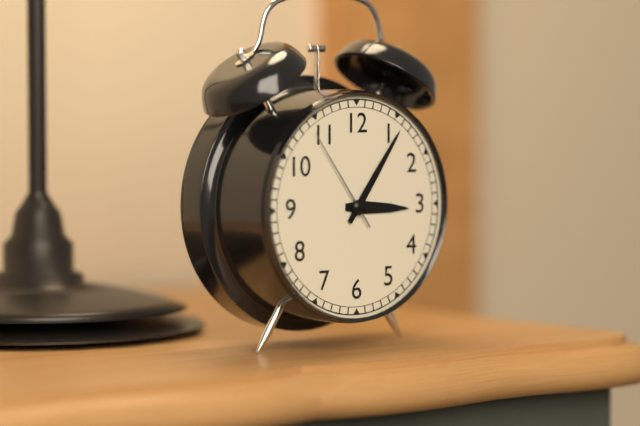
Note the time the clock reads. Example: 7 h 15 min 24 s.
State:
3 h 06 min 54 s
